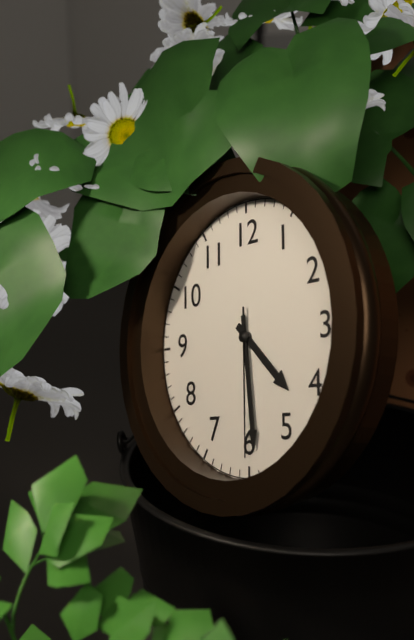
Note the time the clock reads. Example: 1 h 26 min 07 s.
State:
4 h 29 min 30 s
